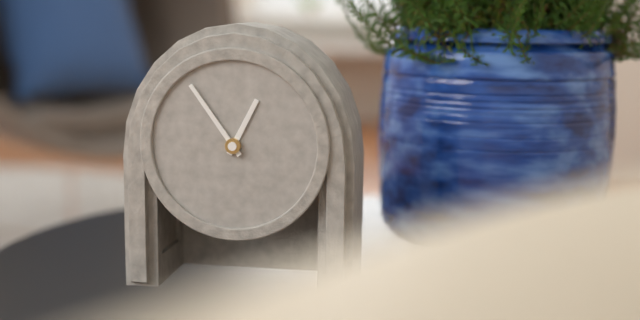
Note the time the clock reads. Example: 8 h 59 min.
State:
12 h 54 min
